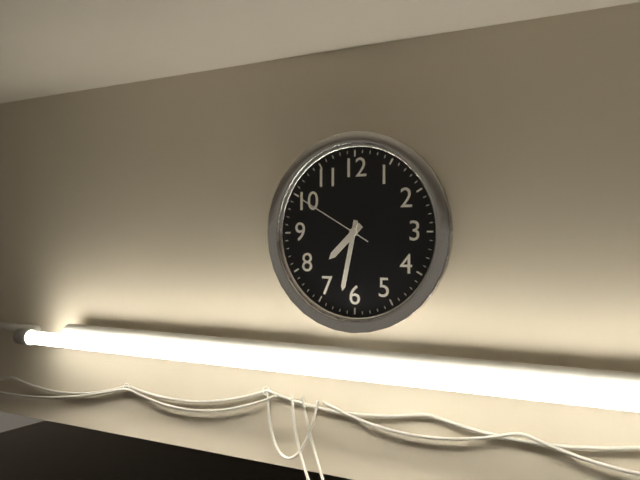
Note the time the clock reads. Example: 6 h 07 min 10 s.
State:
7 h 32 min 50 s
